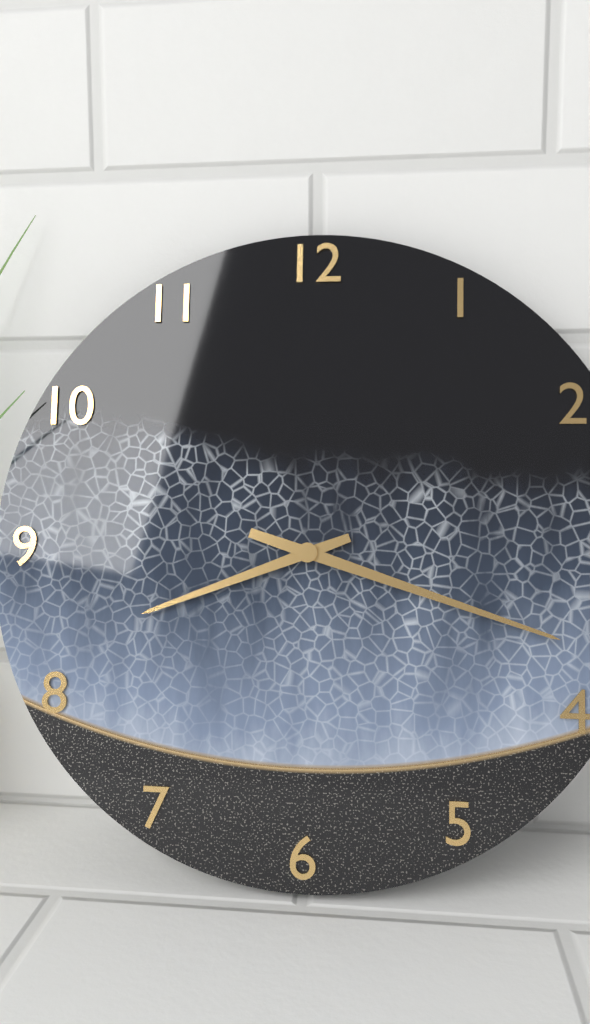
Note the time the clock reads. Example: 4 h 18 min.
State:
8 h 18 min
